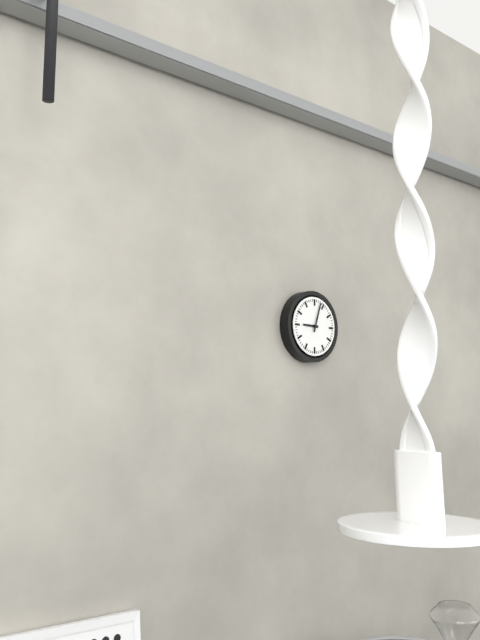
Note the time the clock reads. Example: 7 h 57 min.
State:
9 h 03 min
